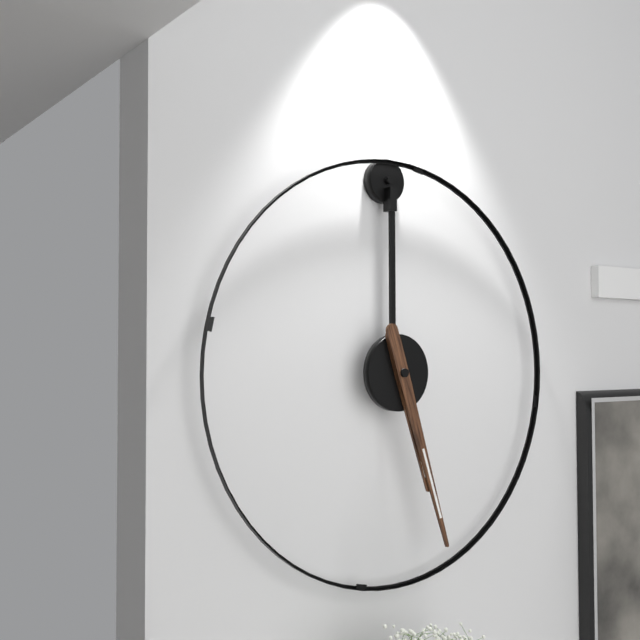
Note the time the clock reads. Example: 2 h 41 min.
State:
5 h 27 min
